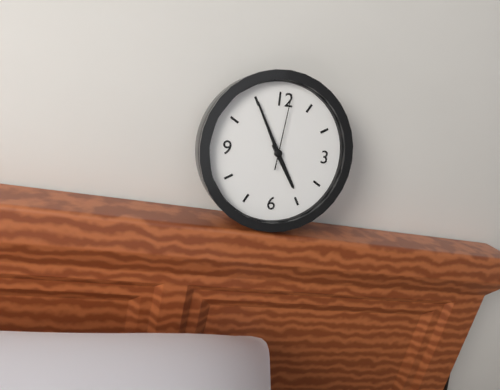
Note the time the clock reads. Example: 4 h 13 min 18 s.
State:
4 h 55 min 01 s
